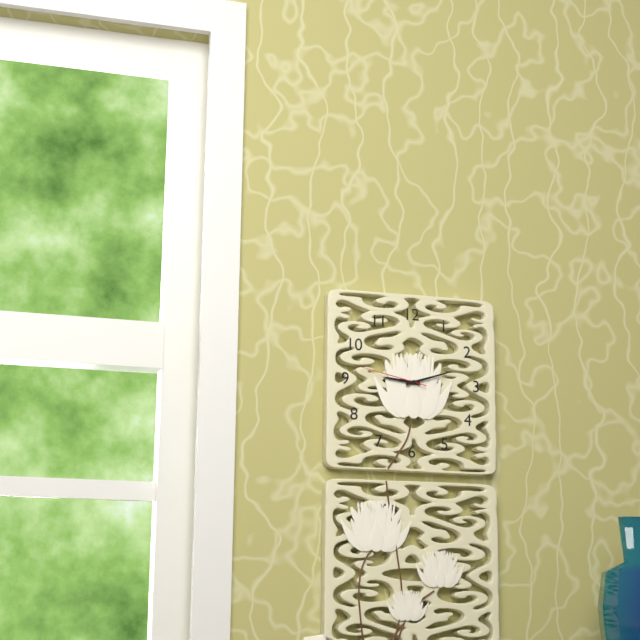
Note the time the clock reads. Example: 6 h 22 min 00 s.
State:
9 h 12 min 47 s
